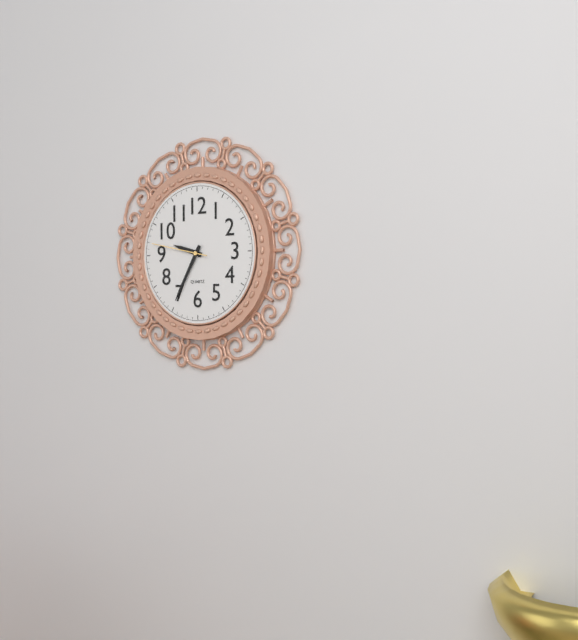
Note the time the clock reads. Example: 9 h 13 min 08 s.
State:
9 h 35 min 47 s
